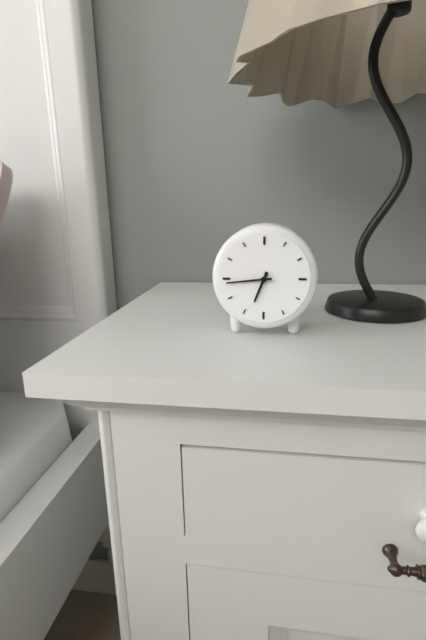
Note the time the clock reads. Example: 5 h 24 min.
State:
6 h 44 min
